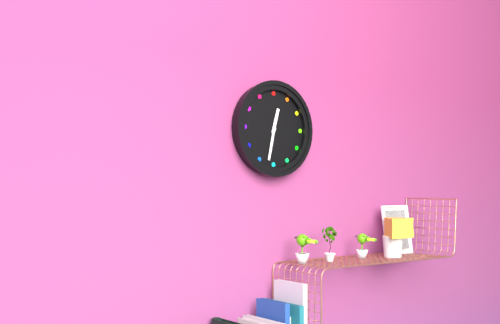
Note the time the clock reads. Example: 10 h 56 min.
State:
12 h 32 min
